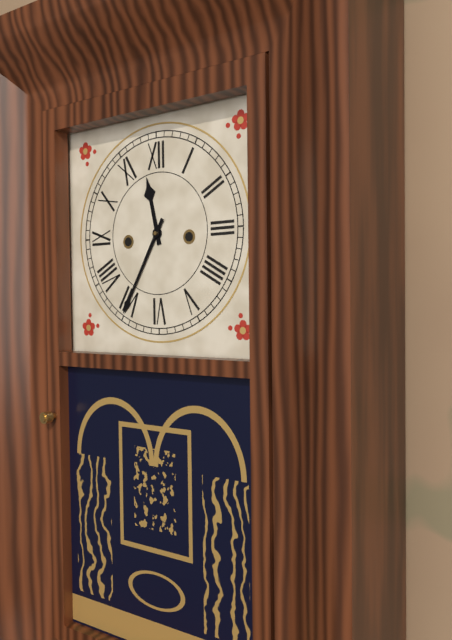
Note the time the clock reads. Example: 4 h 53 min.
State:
11 h 35 min
